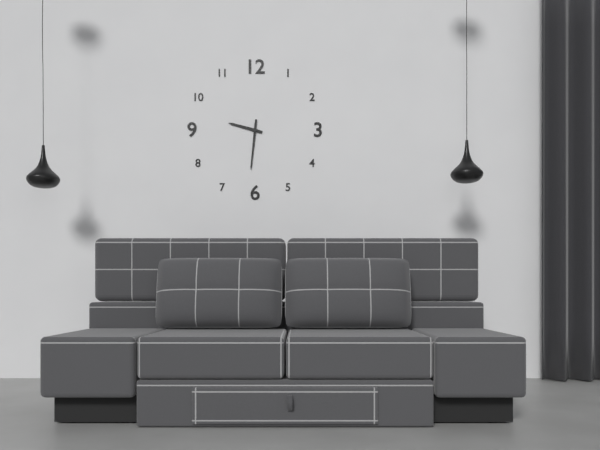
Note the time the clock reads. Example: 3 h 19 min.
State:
9 h 31 min
